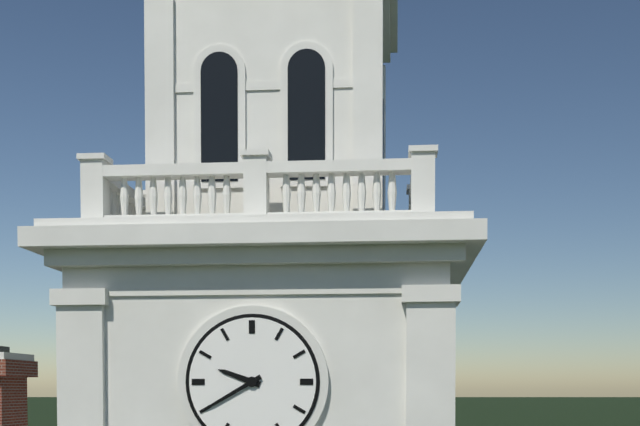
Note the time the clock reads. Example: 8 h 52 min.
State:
9 h 40 min
